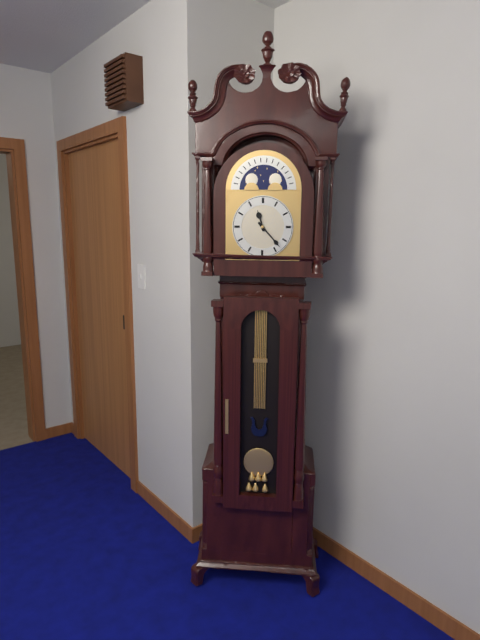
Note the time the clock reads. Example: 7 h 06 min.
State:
11 h 23 min
